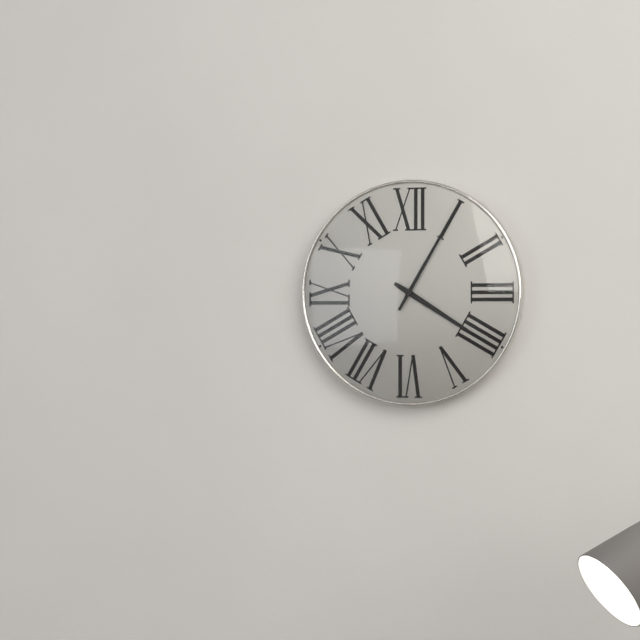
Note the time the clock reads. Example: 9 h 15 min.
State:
4 h 05 min
